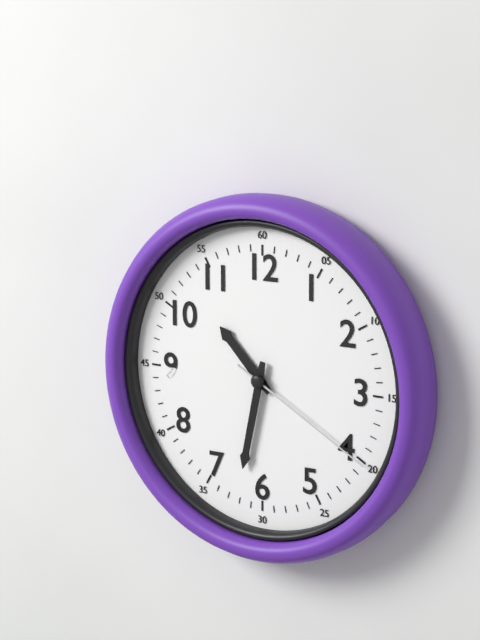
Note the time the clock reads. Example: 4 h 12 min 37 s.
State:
10 h 32 min 20 s
